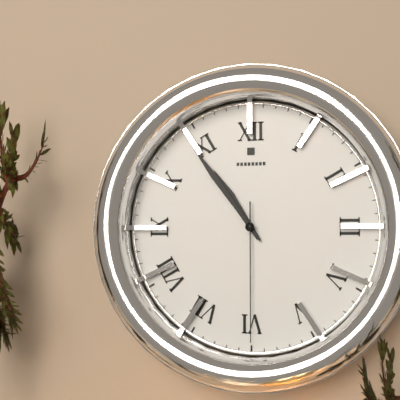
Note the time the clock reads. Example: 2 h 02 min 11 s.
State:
10 h 54 min 30 s
